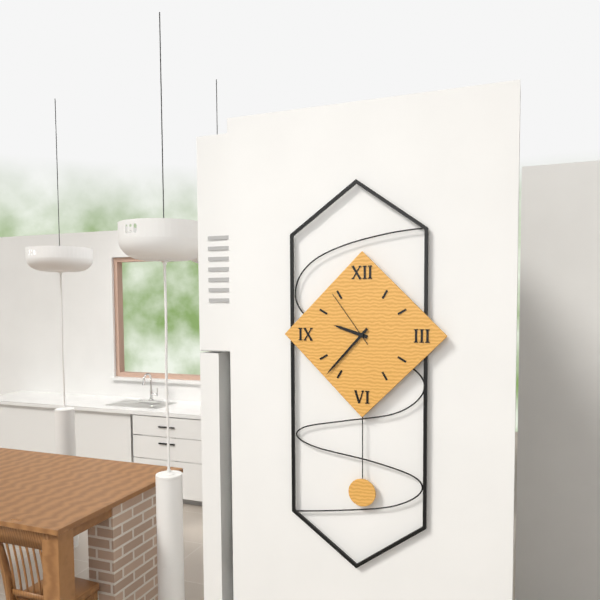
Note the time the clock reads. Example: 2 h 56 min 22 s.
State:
9 h 37 min 54 s
